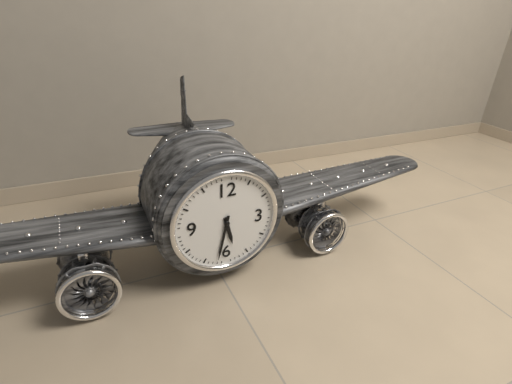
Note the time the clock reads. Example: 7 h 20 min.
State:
5 h 32 min
